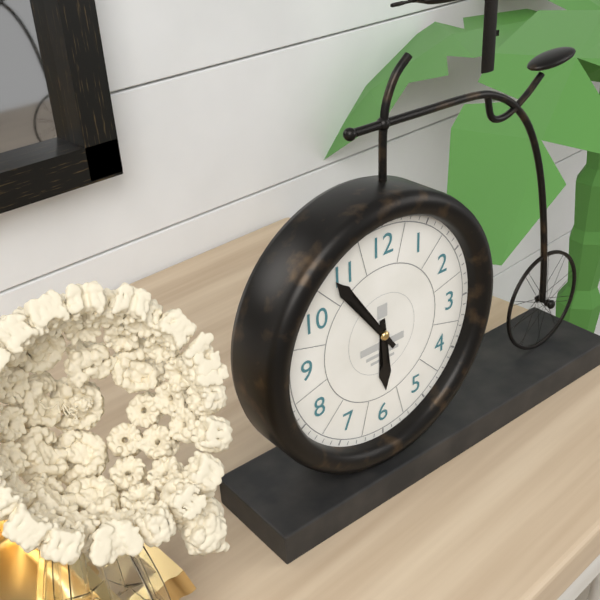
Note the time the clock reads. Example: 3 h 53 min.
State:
5 h 54 min
